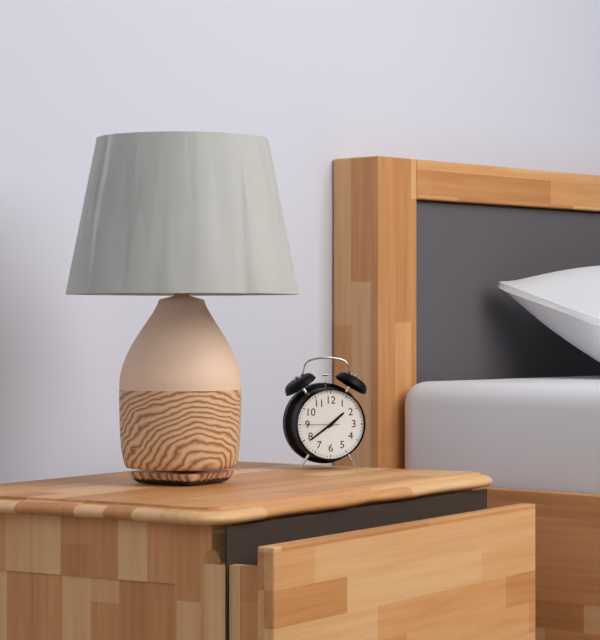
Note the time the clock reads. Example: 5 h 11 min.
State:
1 h 39 min
